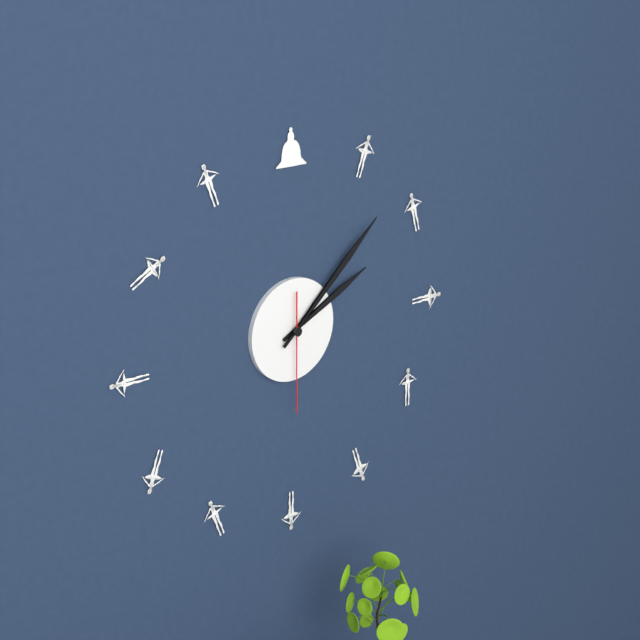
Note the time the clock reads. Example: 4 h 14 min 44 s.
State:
2 h 08 min 30 s
